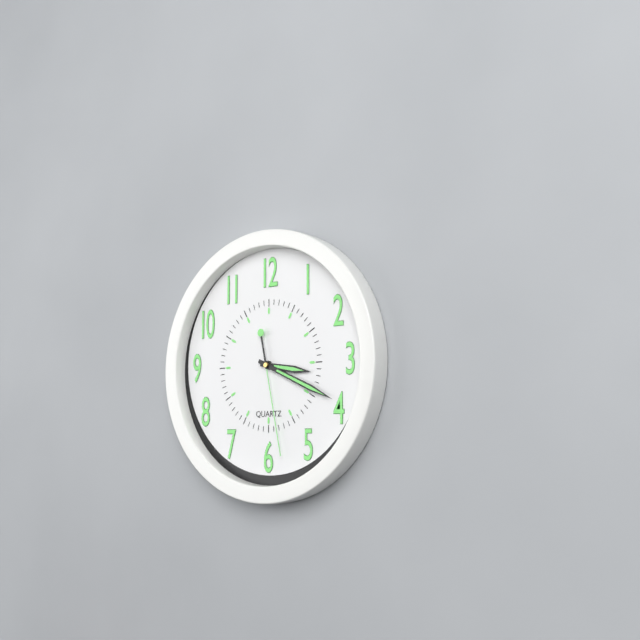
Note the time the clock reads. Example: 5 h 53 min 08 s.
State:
3 h 19 min 28 s
